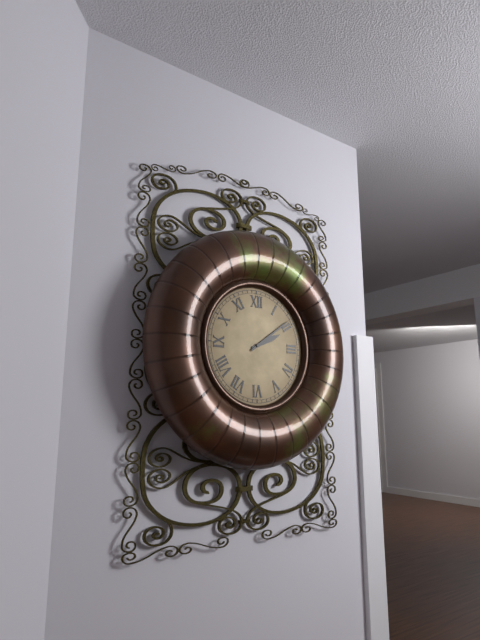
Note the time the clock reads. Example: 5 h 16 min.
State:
2 h 09 min
